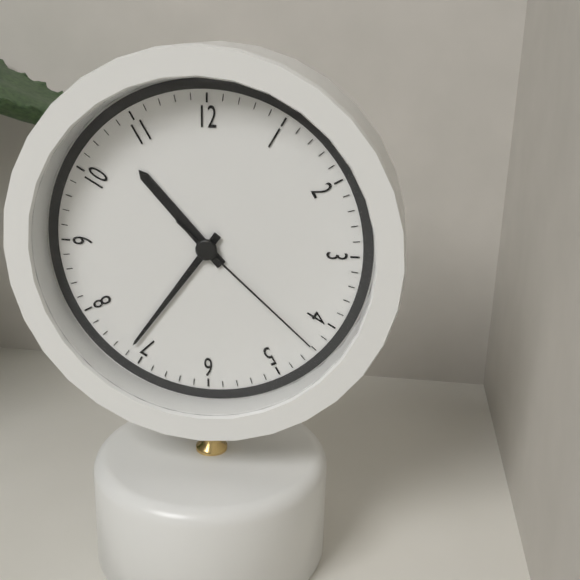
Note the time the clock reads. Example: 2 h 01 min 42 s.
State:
10 h 36 min 22 s
